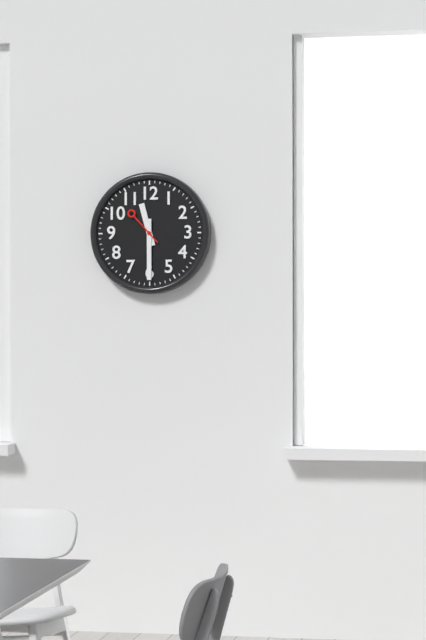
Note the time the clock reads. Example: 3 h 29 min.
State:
11 h 30 min
